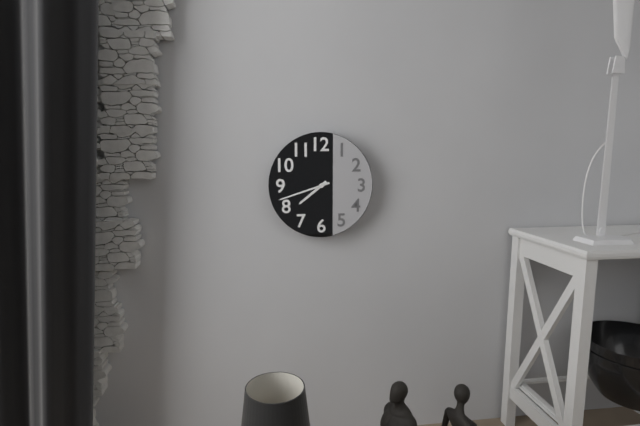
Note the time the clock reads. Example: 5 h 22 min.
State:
7 h 42 min
